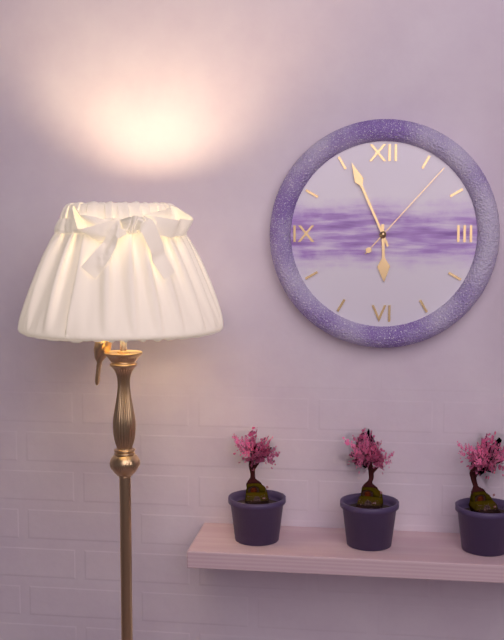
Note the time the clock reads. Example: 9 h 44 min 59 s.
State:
5 h 56 min 07 s
